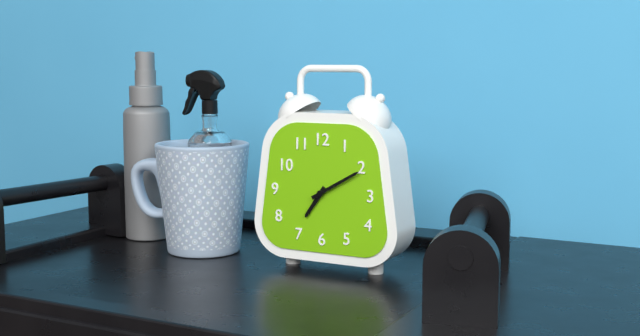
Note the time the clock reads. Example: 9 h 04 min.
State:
7 h 10 min
